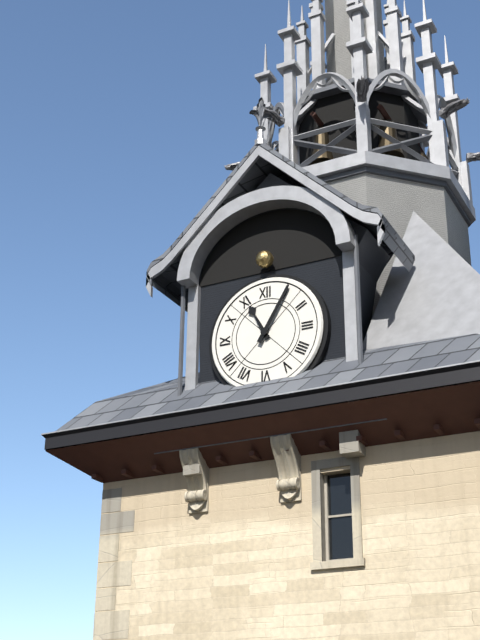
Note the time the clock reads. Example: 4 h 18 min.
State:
11 h 05 min
